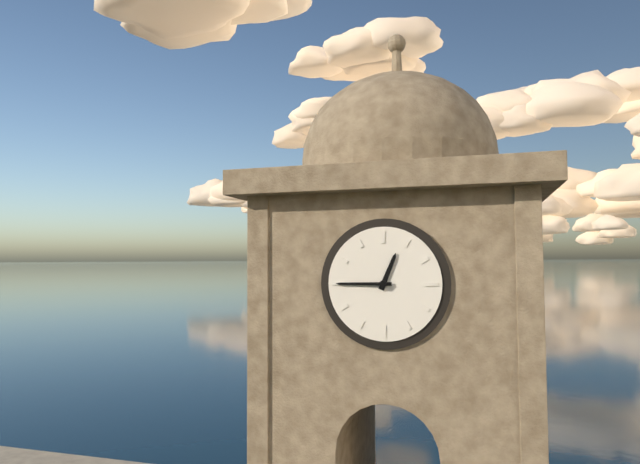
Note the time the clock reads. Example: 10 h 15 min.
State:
12 h 45 min
